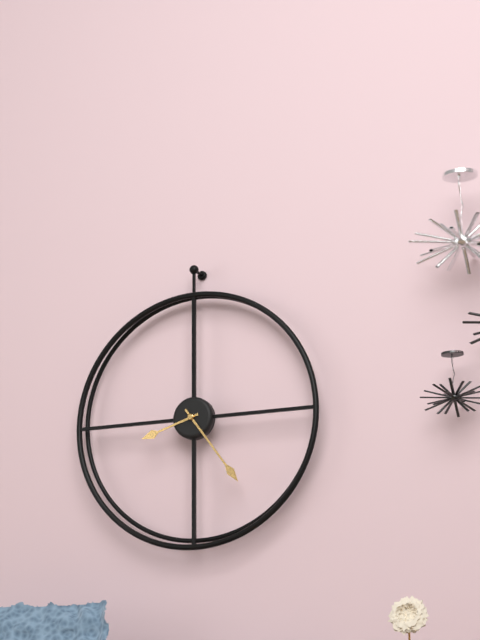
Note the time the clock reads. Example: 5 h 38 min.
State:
8 h 24 min
